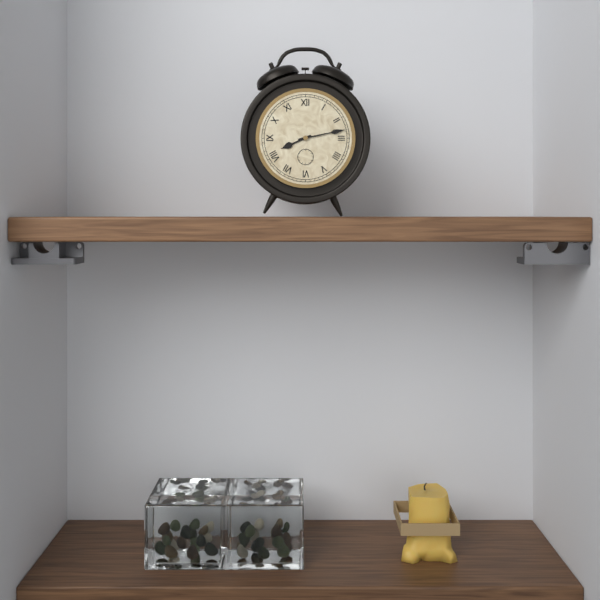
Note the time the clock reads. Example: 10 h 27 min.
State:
8 h 13 min
